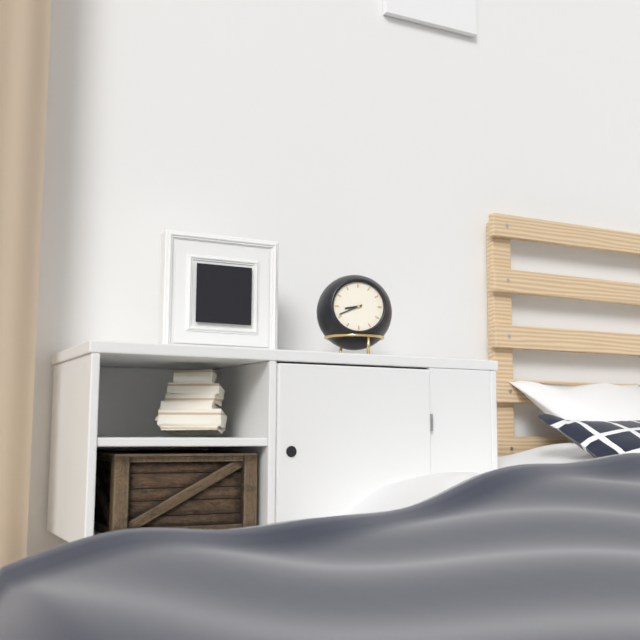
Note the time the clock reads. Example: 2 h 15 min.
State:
8 h 41 min
